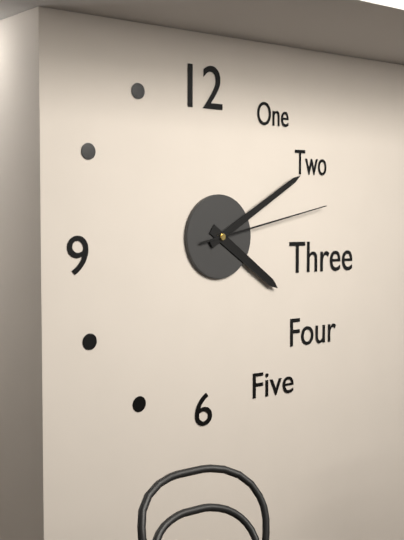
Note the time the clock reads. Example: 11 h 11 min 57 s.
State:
4 h 10 min 13 s
